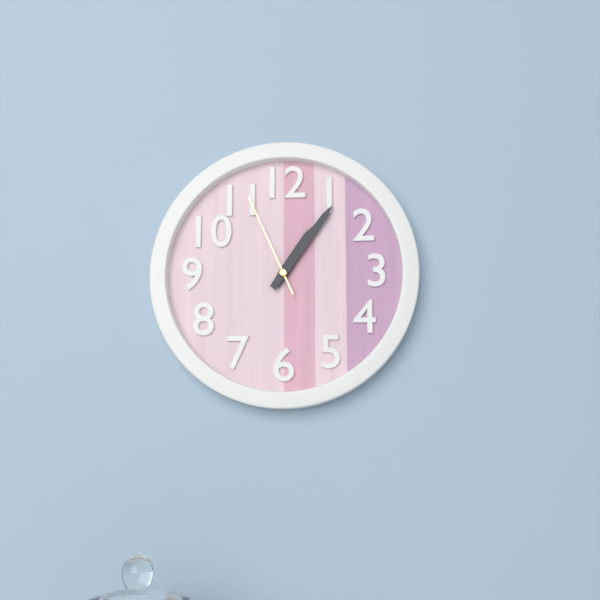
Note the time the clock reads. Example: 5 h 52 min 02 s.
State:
1 h 06 min 56 s
